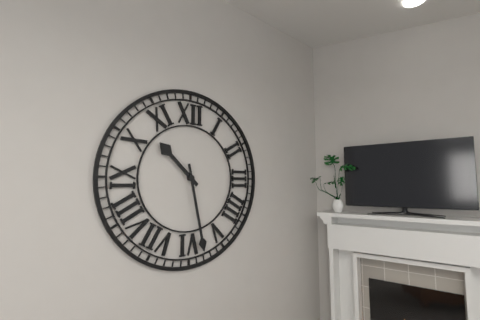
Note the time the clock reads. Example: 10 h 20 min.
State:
10 h 28 min
